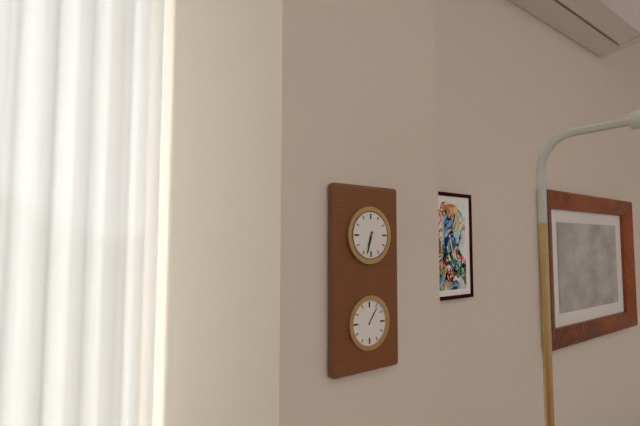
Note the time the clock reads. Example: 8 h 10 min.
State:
6 h 33 min
